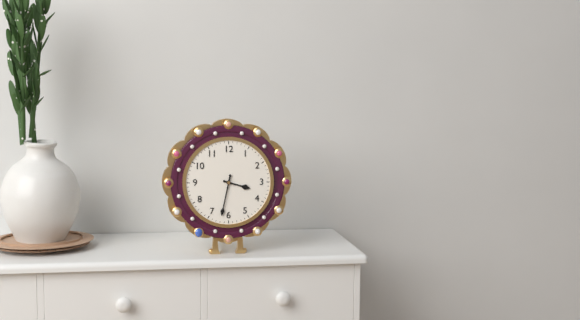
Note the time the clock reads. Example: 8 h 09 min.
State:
3 h 32 min
